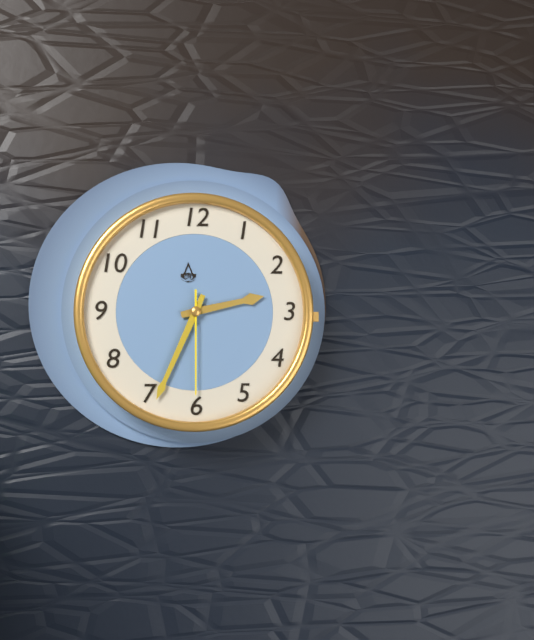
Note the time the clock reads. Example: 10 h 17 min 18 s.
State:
2 h 34 min 30 s
